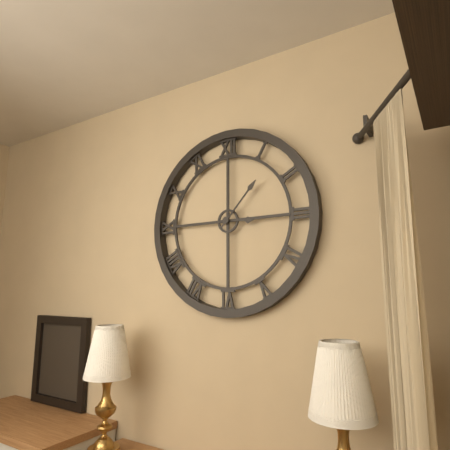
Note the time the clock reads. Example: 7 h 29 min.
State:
3 h 07 min
